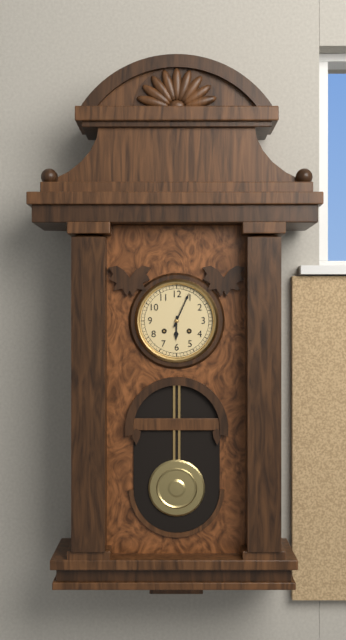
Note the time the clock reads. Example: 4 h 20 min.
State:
6 h 04 min
